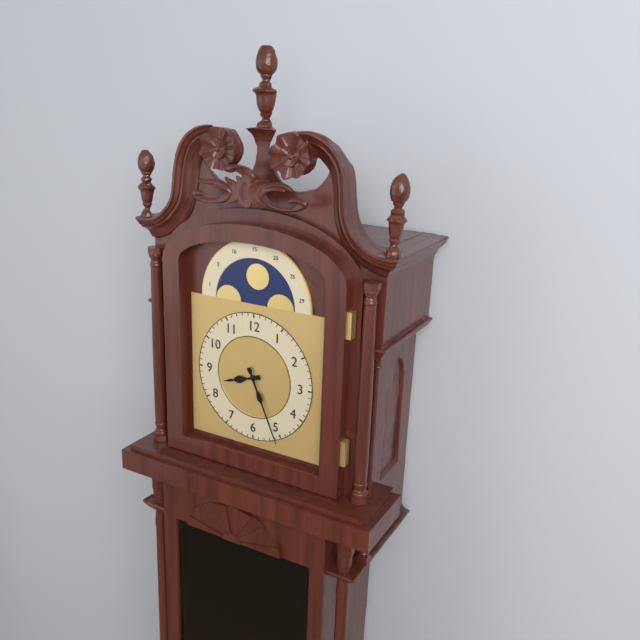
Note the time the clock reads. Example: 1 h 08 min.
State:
8 h 26 min
